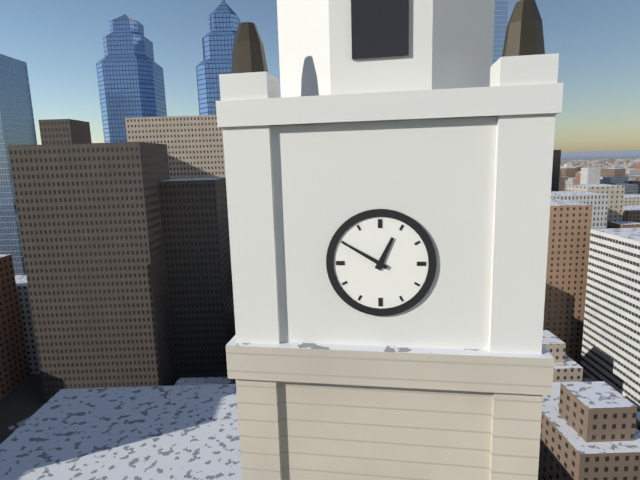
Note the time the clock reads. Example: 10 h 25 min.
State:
12 h 50 min
